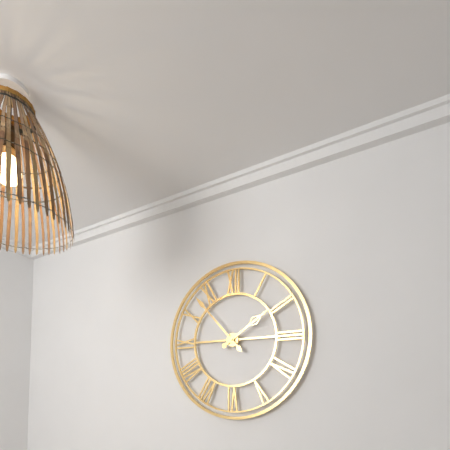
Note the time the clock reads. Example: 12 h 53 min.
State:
1 h 53 min
